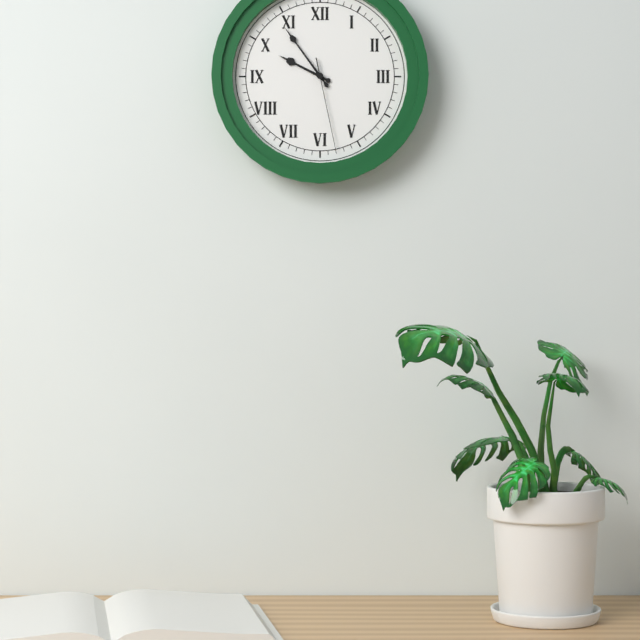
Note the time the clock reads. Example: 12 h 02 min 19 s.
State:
9 h 54 min 28 s
